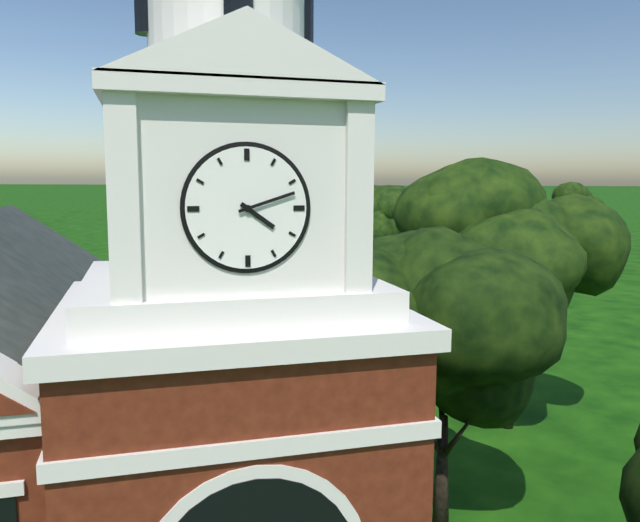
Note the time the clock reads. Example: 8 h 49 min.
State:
4 h 12 min
